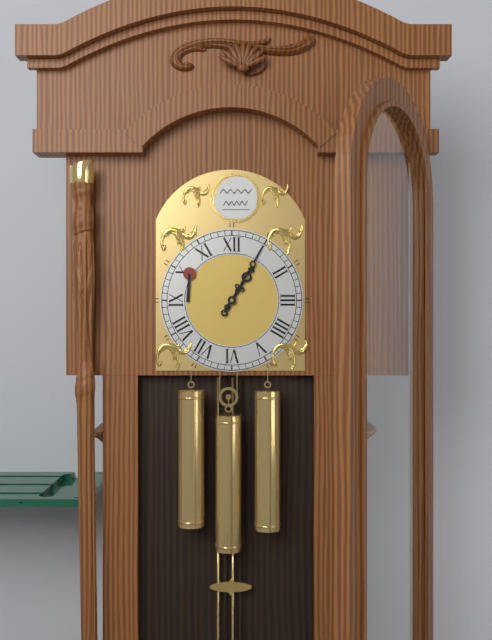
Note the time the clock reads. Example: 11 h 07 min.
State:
1 h 05 min
